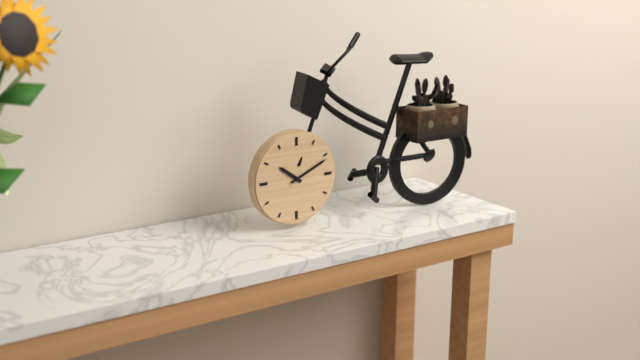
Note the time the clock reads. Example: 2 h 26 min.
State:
10 h 11 min
